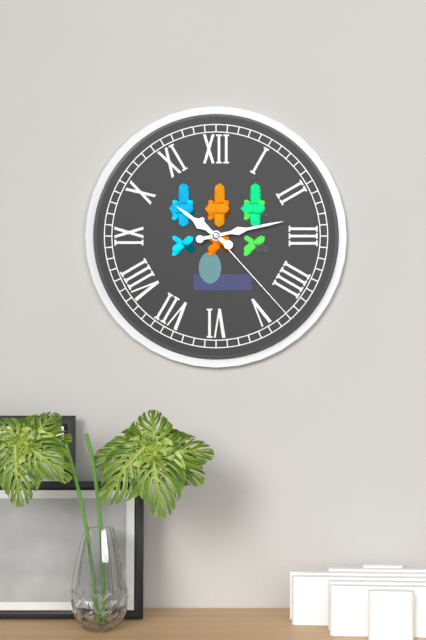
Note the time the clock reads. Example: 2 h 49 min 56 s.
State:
10 h 13 min 23 s
